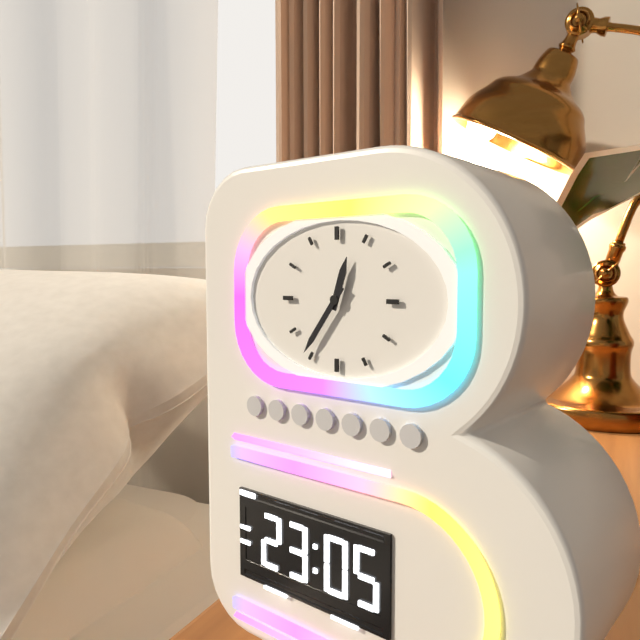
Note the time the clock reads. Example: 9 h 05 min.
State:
12 h 36 min
